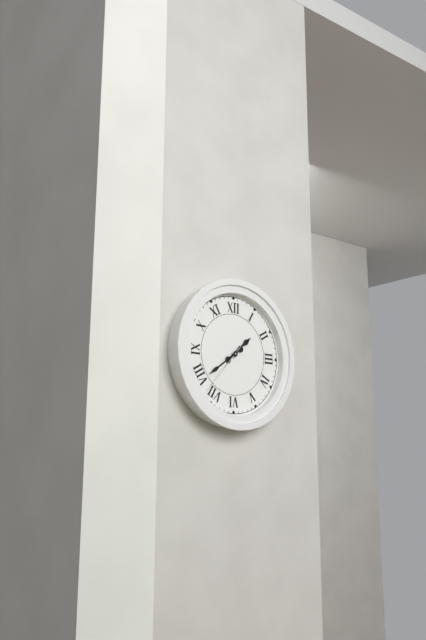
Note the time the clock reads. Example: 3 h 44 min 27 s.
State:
1 h 39 min 37 s
